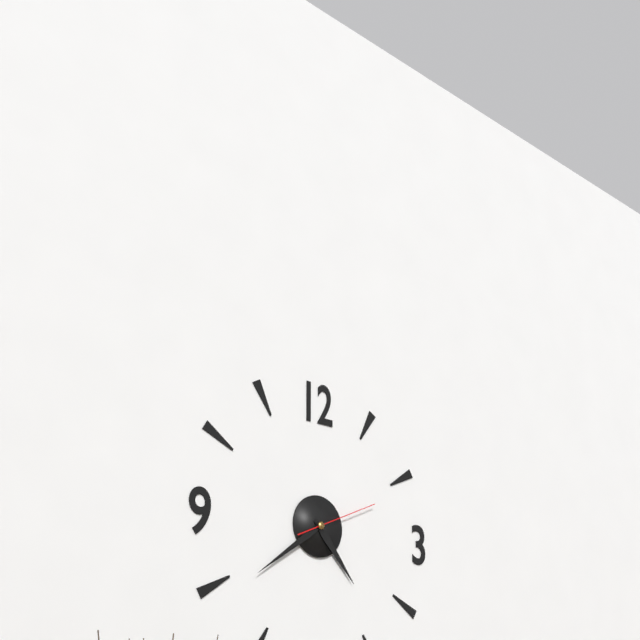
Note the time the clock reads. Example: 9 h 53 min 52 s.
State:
4 h 39 min 11 s
